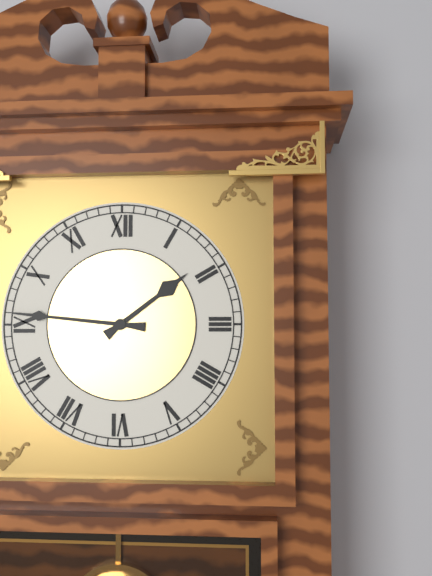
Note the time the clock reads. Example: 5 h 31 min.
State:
1 h 46 min
